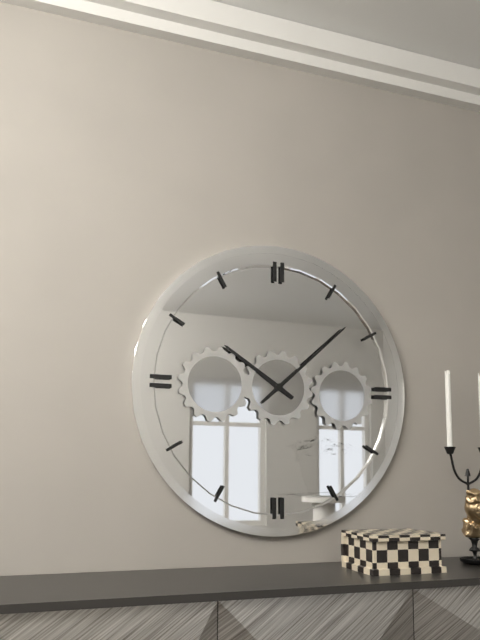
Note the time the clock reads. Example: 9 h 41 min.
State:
10 h 08 min
